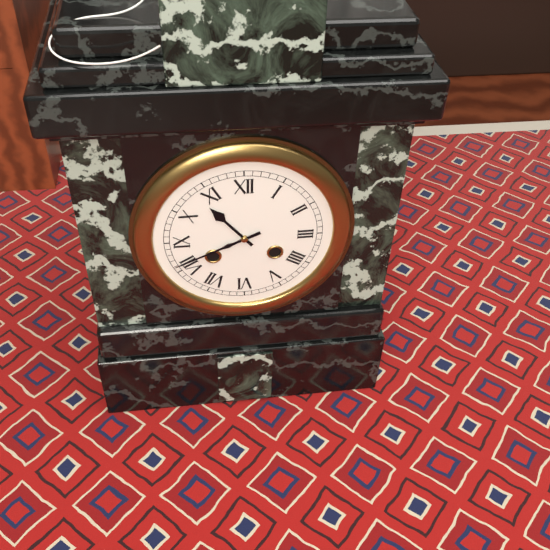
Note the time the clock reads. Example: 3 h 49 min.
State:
10 h 41 min
